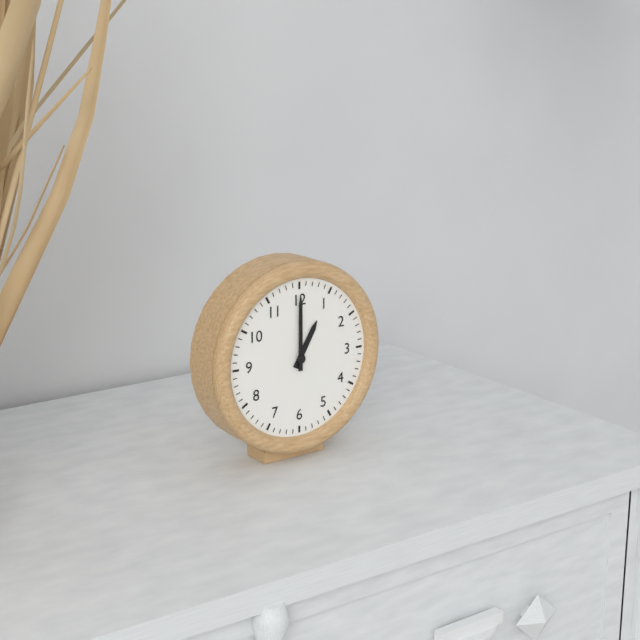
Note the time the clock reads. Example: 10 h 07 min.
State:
1 h 00 min
